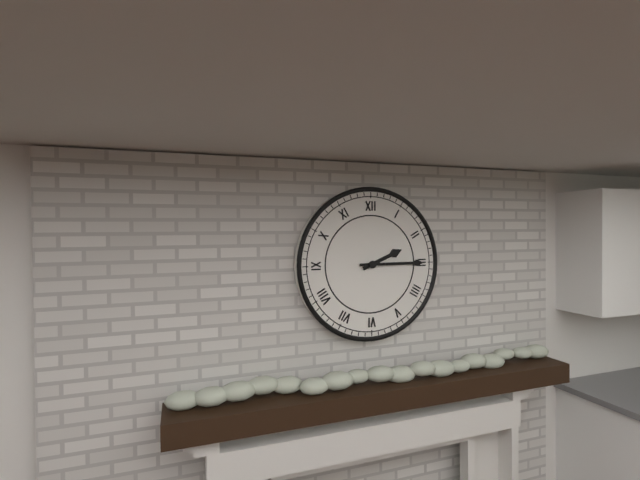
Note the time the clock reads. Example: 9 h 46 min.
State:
2 h 15 min
